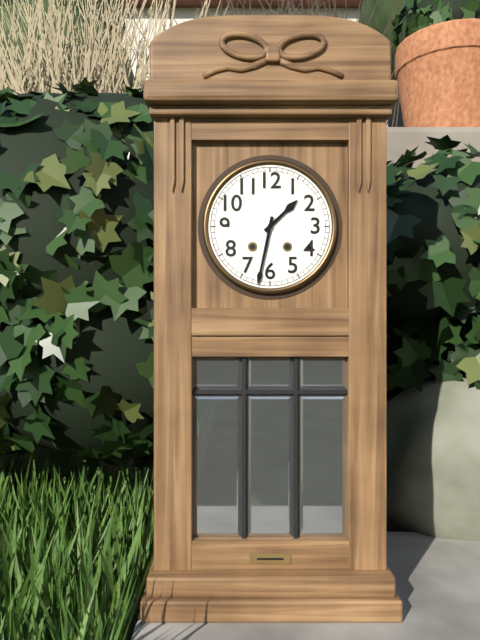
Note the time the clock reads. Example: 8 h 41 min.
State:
1 h 32 min
